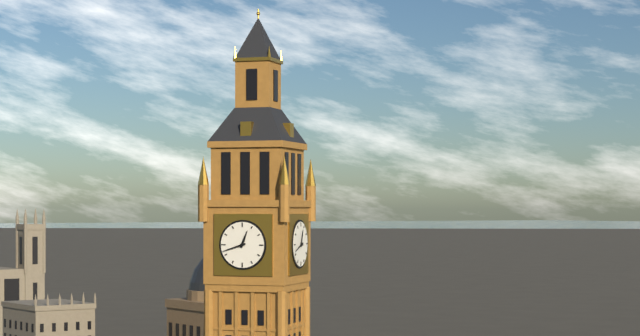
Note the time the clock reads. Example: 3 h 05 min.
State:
12 h 42 min
